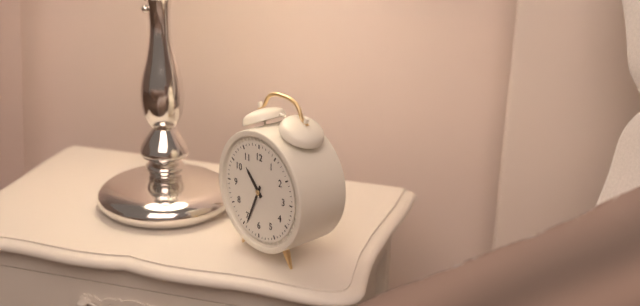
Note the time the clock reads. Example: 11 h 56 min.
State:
10 h 34 min
